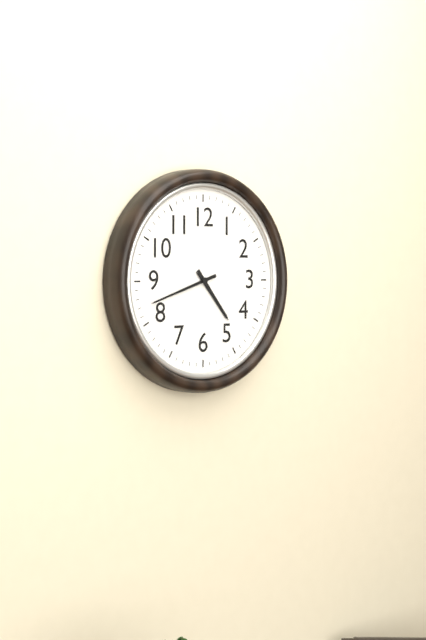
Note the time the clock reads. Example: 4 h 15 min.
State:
4 h 42 min
